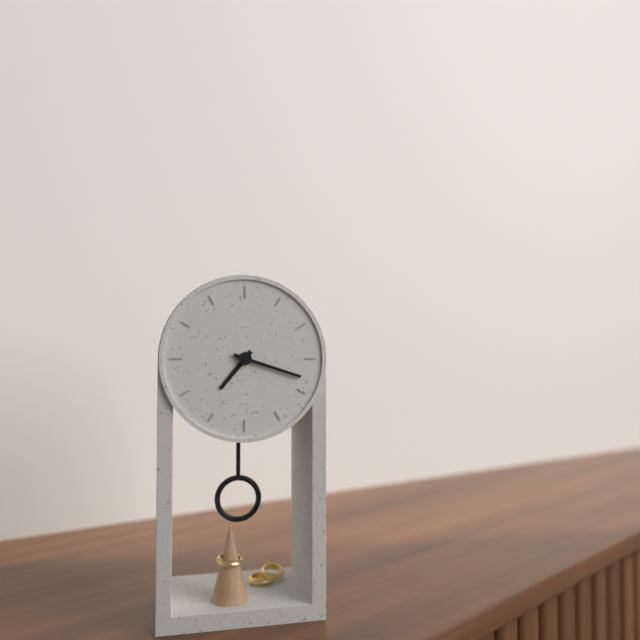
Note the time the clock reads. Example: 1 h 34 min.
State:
7 h 18 min
